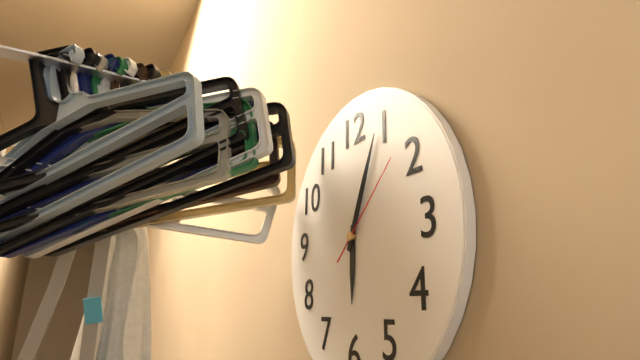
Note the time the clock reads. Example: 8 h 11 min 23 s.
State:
6 h 04 min 08 s
